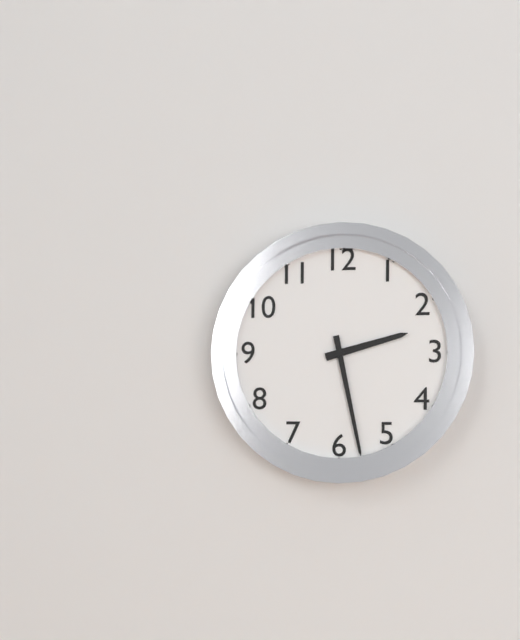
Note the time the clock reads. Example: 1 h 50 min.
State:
2 h 28 min
